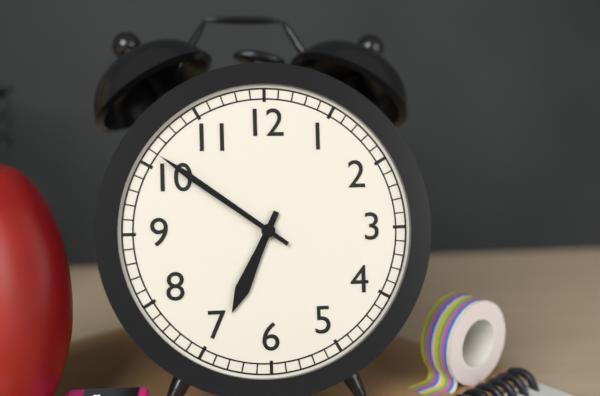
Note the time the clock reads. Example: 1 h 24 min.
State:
6 h 51 min
